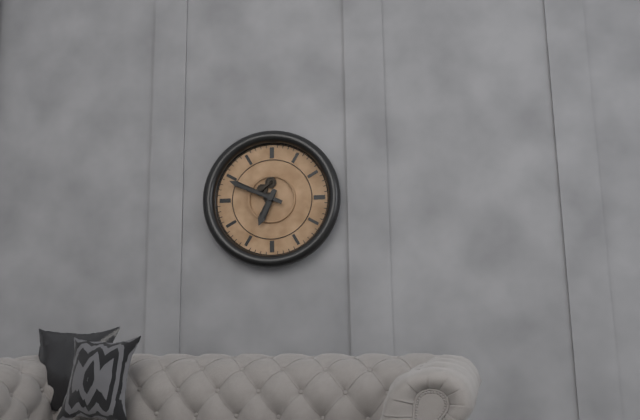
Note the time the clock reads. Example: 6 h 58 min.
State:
6 h 49 min
